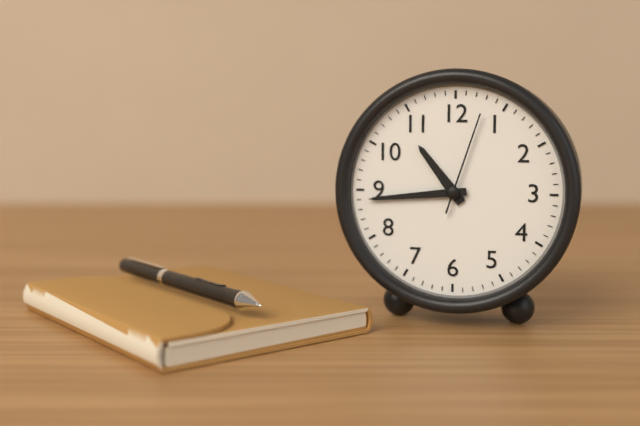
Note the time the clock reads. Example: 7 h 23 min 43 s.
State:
10 h 44 min 03 s
